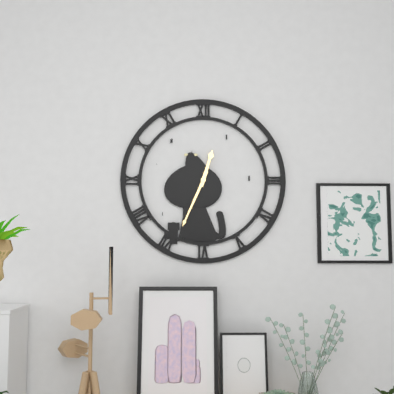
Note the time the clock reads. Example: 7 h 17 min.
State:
12 h 34 min
